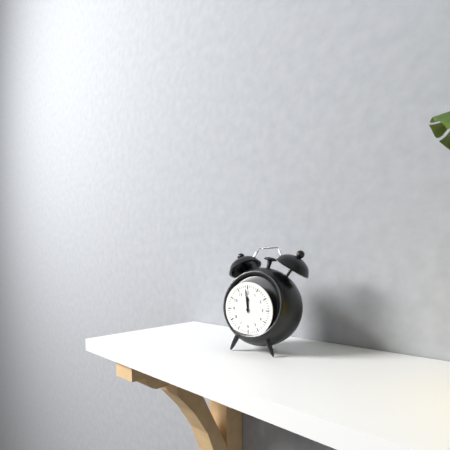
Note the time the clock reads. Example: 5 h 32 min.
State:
11 h 59 min
